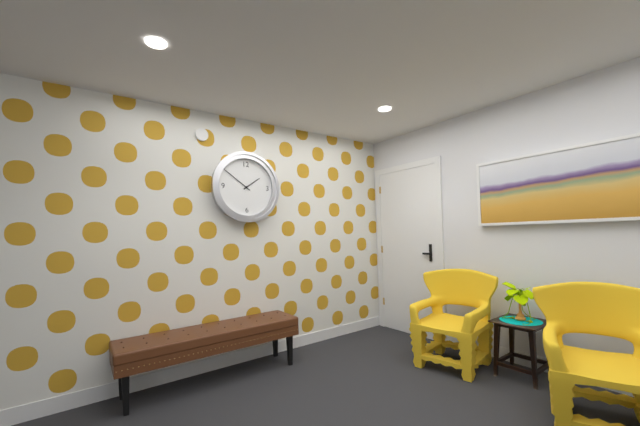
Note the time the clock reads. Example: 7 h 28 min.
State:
1 h 51 min
